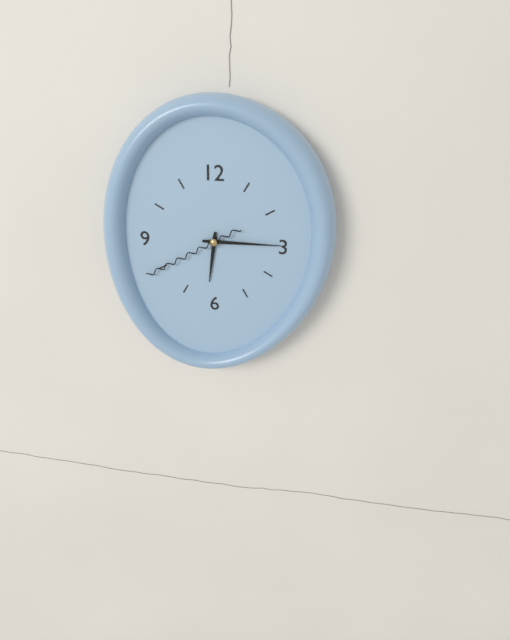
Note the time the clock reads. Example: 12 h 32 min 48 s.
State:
6 h 15 min 40 s
